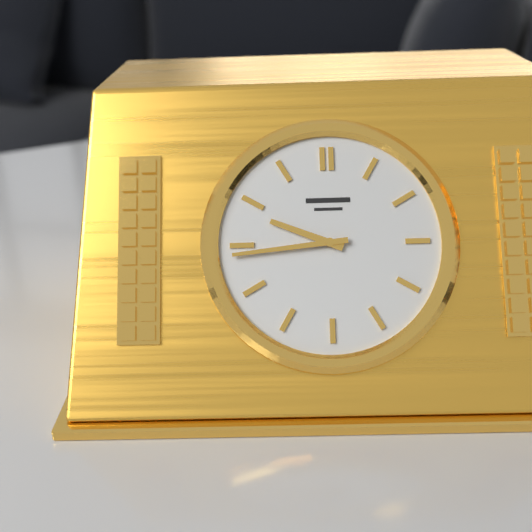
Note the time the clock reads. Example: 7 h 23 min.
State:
9 h 44 min
